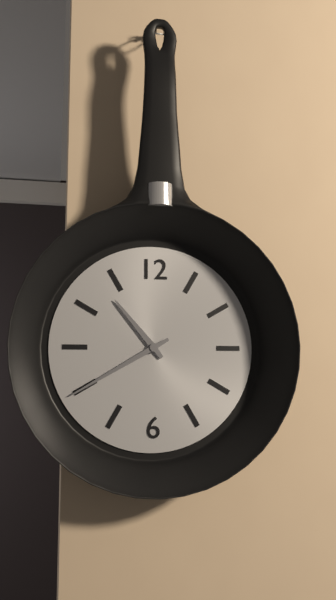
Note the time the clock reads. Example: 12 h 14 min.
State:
10 h 40 min
